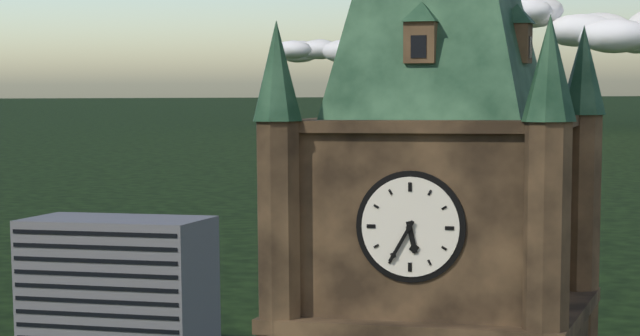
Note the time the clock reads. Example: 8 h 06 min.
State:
5 h 35 min
